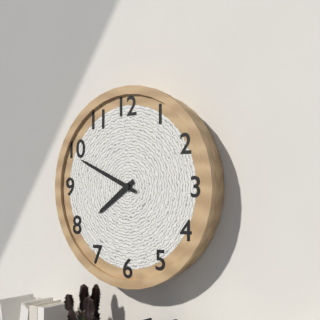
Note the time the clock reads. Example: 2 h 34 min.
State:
7 h 49 min
